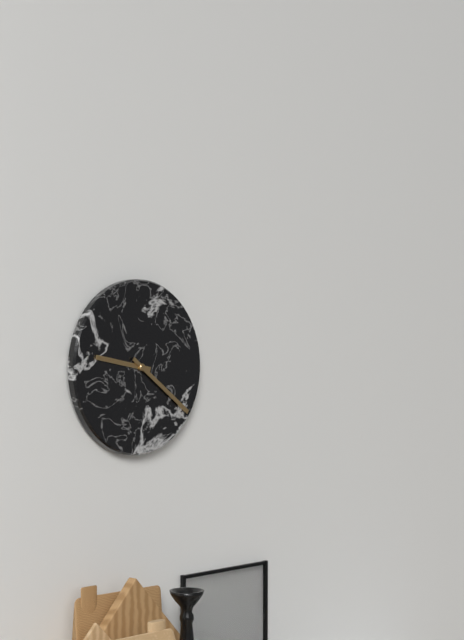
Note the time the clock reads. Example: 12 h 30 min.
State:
9 h 21 min
